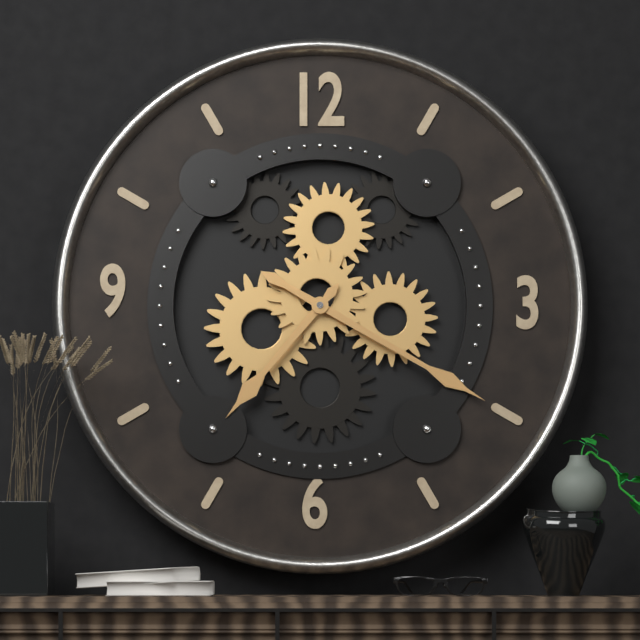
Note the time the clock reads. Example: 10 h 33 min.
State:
7 h 20 min
